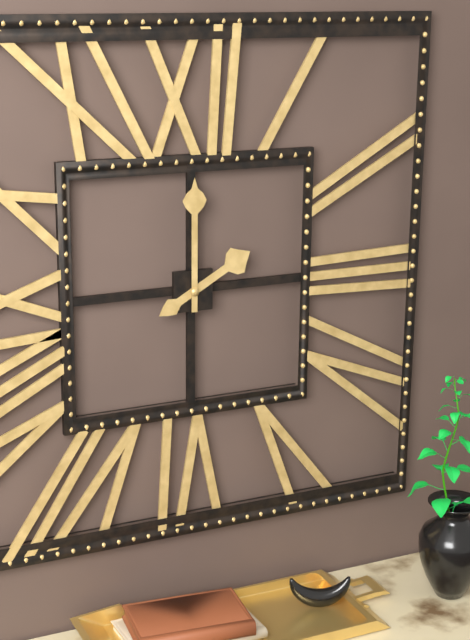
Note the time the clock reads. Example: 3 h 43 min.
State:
2 h 00 min
